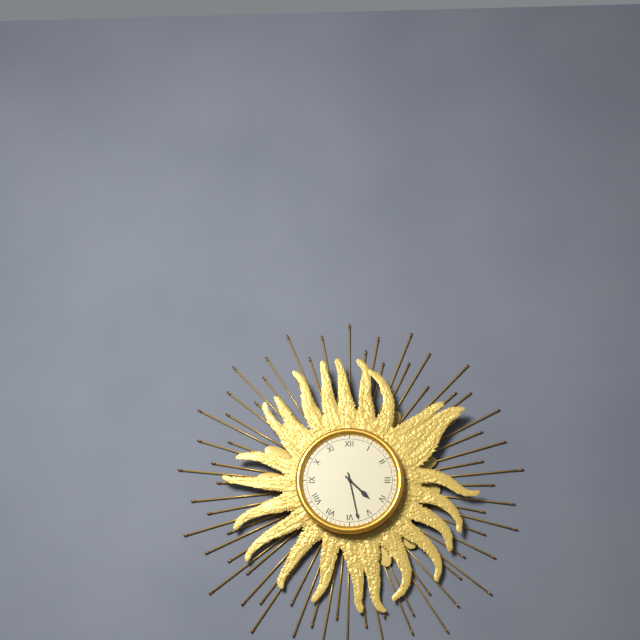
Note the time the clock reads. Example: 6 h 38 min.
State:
4 h 28 min
